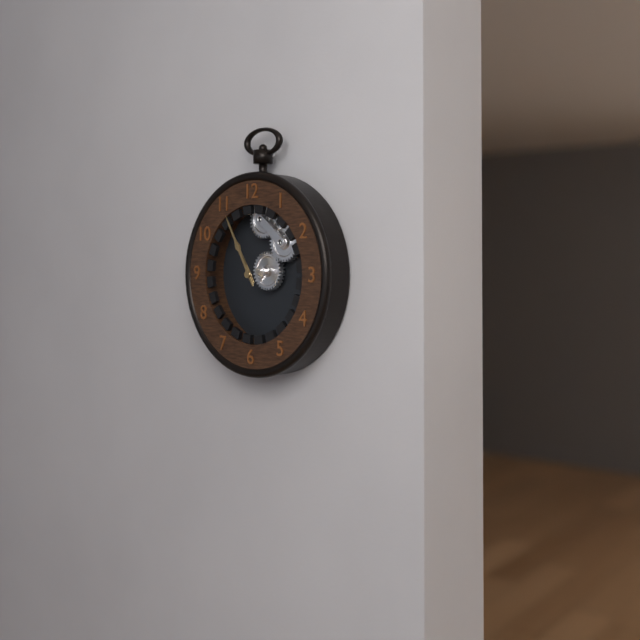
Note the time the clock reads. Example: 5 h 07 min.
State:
10 h 55 min
